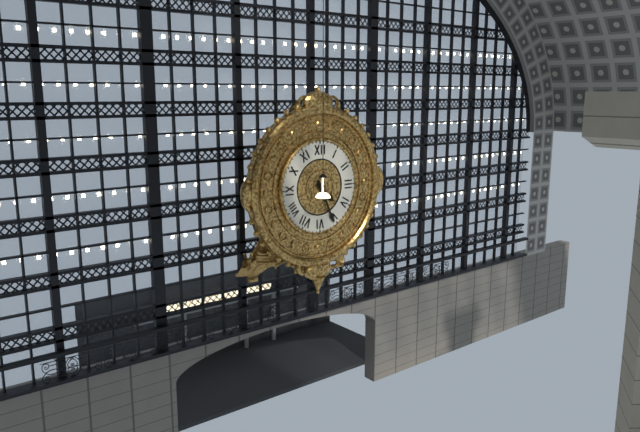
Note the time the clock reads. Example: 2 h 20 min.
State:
4 h 26 min
